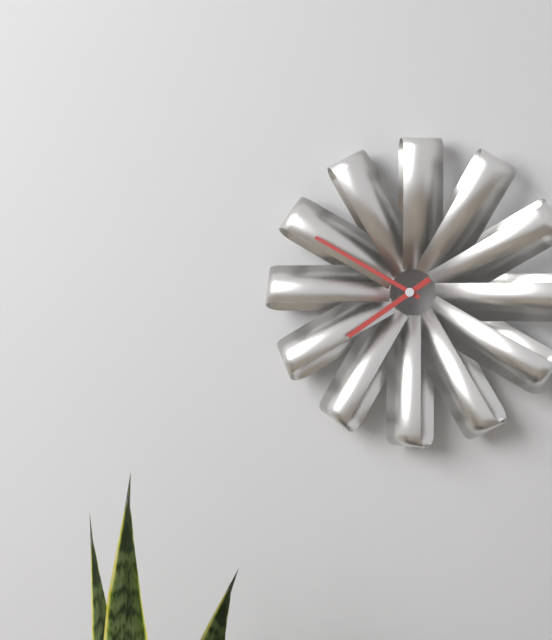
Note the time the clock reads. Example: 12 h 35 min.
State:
7 h 50 min
